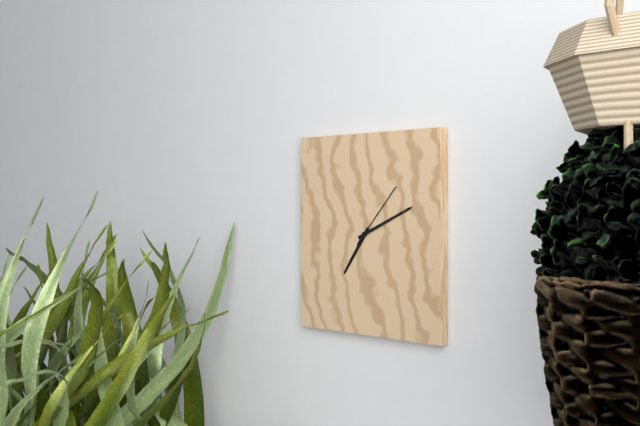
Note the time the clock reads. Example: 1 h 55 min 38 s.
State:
7 h 11 min 07 s
